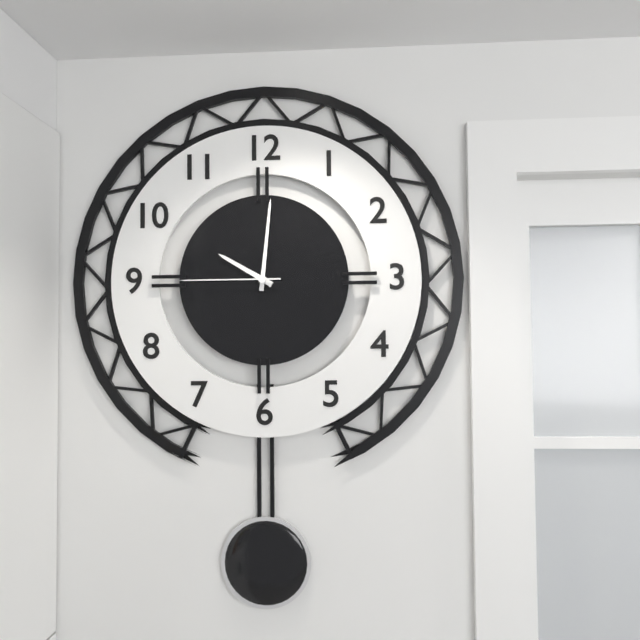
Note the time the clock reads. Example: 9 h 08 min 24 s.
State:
10 h 01 min 45 s
